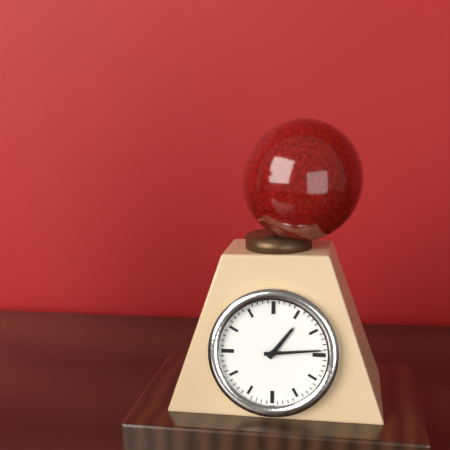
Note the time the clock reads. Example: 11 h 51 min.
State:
1 h 14 min
